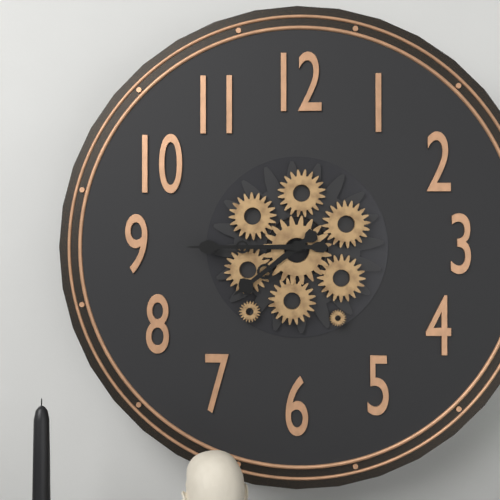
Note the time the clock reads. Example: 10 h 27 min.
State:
7 h 45 min
